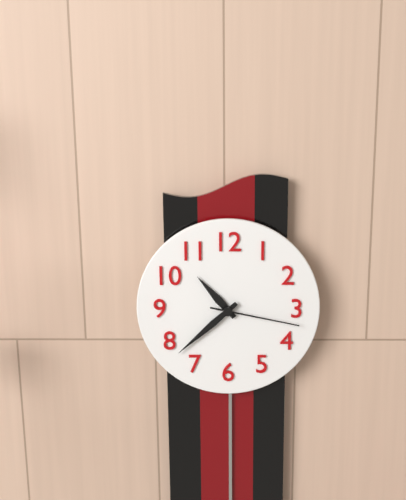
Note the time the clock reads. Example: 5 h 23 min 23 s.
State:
10 h 38 min 17 s
